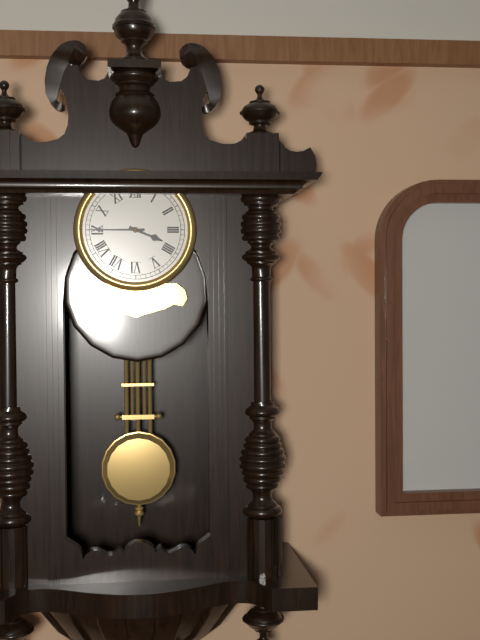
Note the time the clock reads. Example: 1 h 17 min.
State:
3 h 45 min
